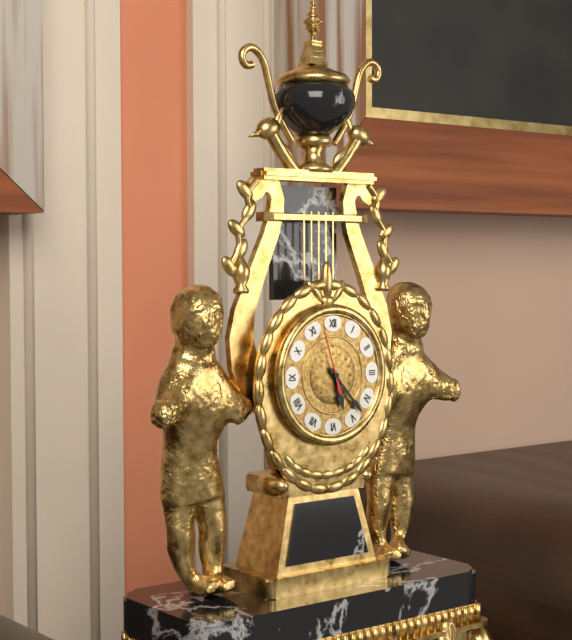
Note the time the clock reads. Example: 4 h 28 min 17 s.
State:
5 h 23 min 57 s
